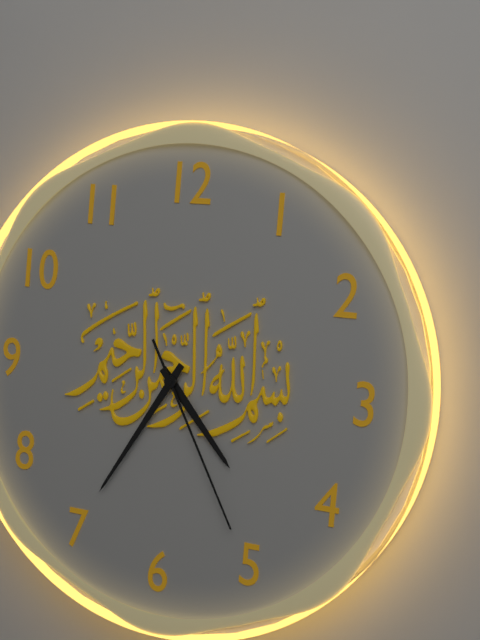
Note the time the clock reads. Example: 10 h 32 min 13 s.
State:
4 h 35 min 25 s
